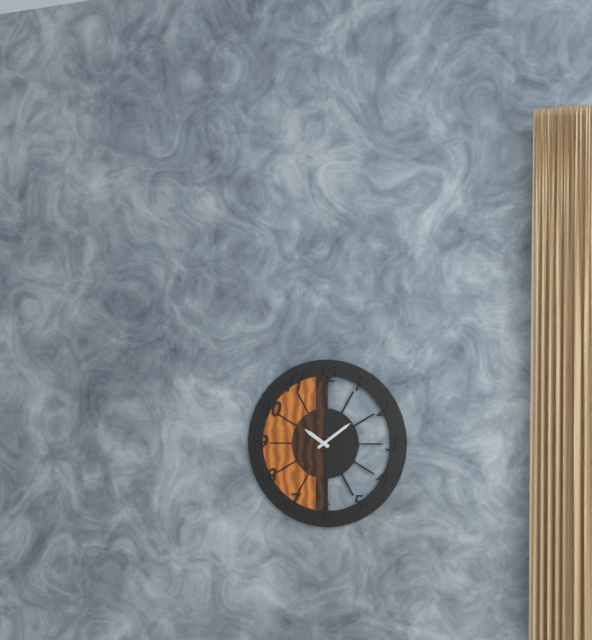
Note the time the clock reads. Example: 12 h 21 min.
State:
10 h 09 min
